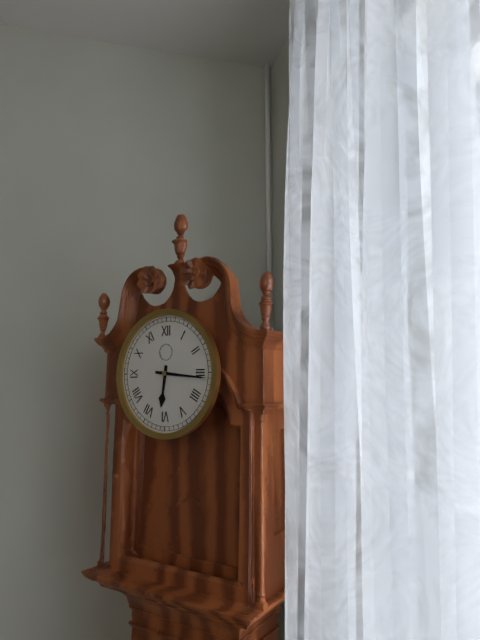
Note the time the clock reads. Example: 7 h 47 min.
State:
6 h 16 min
